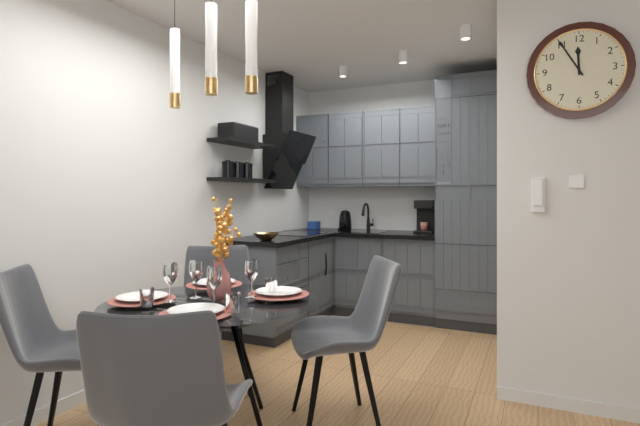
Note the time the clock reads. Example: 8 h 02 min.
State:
11 h 55 min
